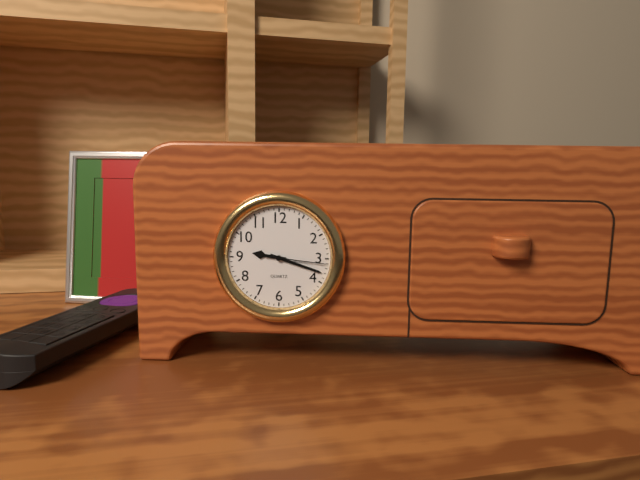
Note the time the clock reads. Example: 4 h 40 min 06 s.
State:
9 h 18 min 16 s
